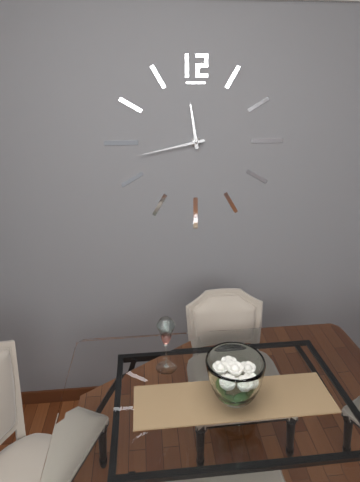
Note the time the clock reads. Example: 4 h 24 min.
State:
11 h 43 min
